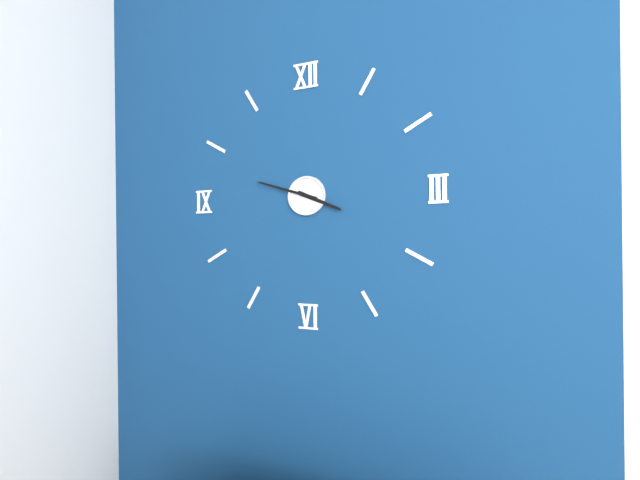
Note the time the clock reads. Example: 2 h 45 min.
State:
3 h 48 min
